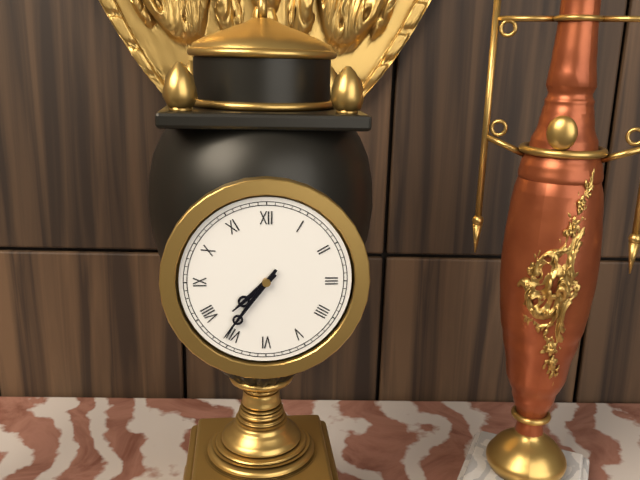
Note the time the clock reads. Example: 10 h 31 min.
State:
7 h 36 min
